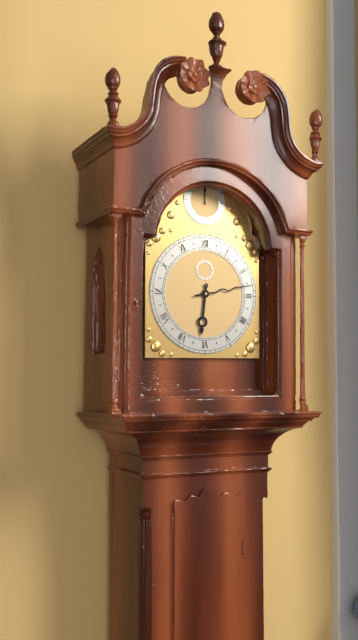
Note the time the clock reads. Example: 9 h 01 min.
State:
6 h 13 min
